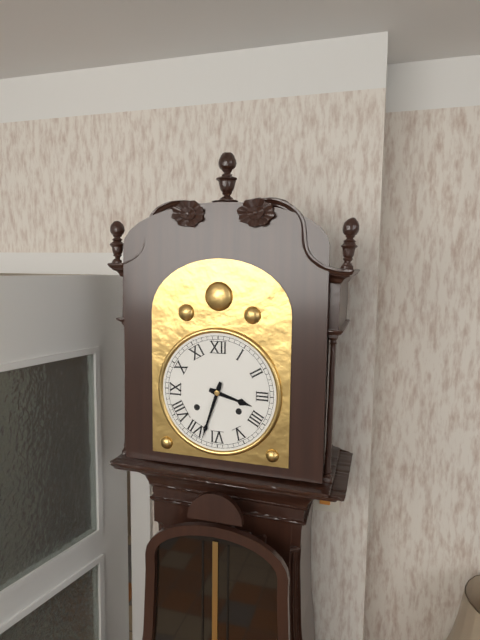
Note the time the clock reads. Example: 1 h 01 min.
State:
3 h 33 min
